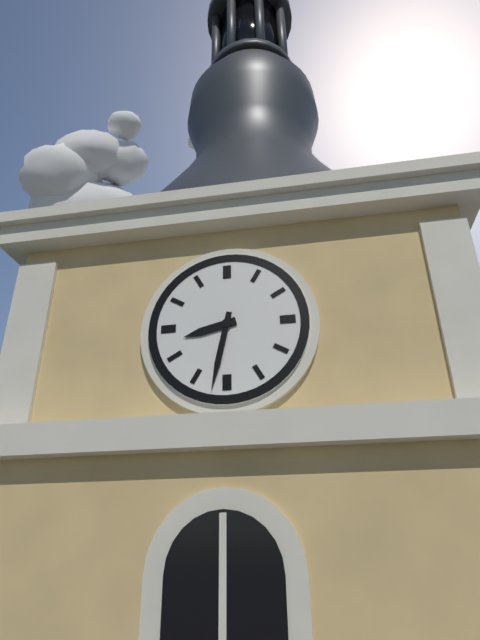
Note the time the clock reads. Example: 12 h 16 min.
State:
8 h 32 min
